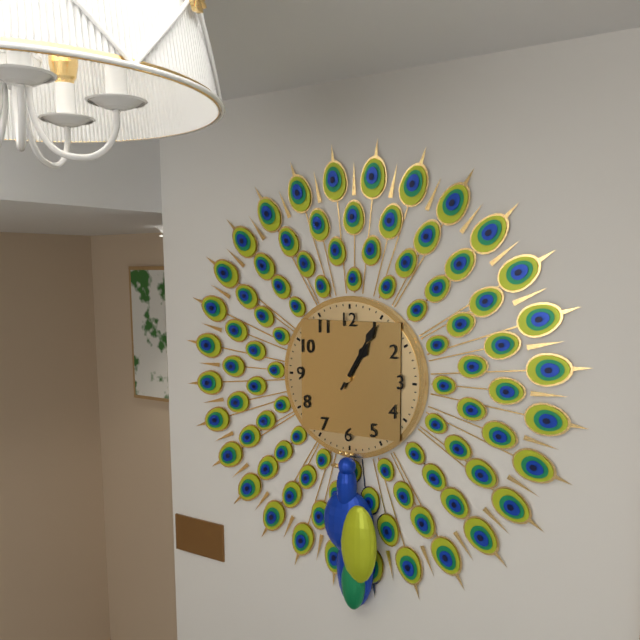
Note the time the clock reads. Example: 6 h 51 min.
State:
1 h 05 min
